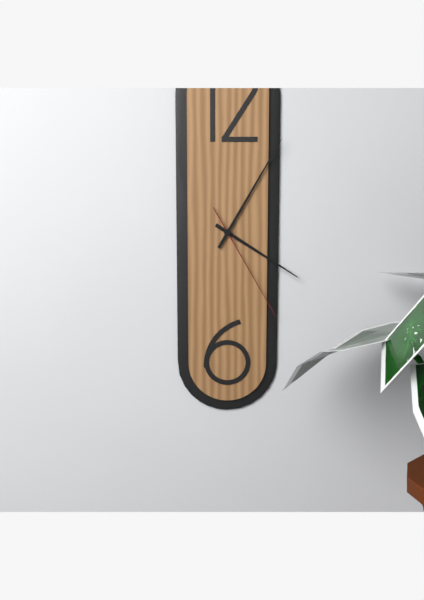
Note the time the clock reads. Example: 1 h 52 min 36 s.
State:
4 h 05 min 25 s
